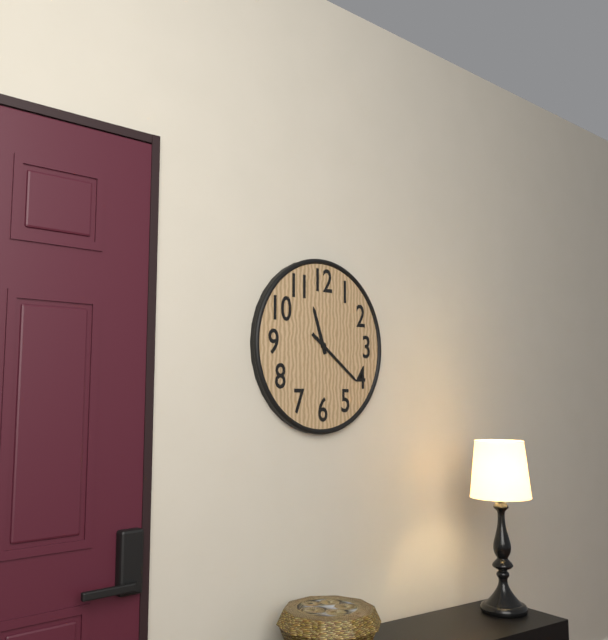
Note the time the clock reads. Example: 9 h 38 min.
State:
11 h 21 min
